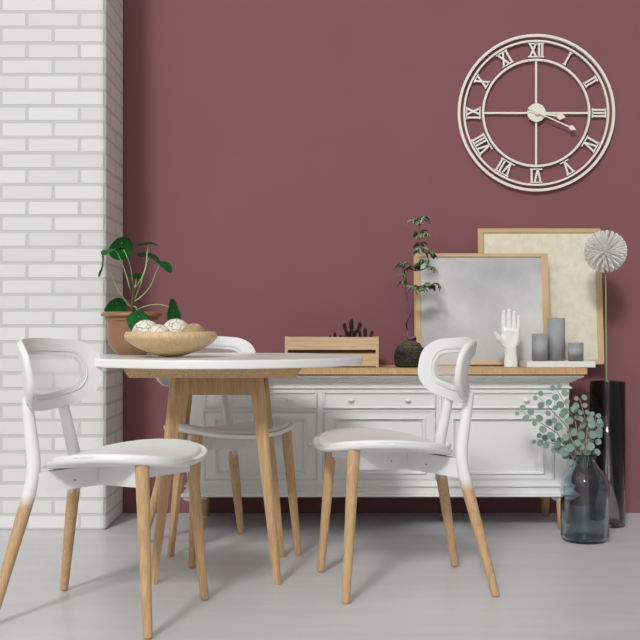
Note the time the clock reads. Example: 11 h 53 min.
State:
3 h 19 min
